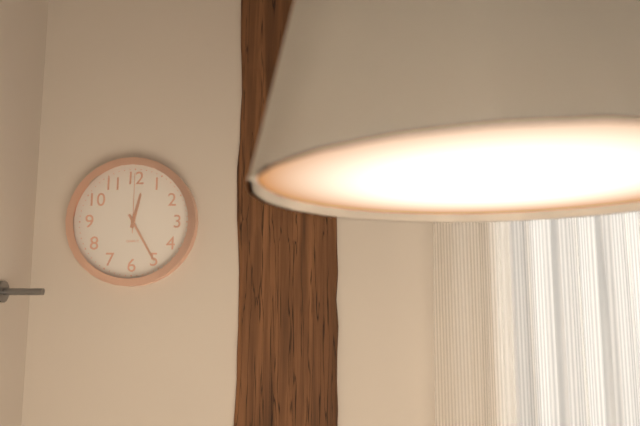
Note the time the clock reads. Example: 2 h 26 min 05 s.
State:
12 h 25 min 00 s
